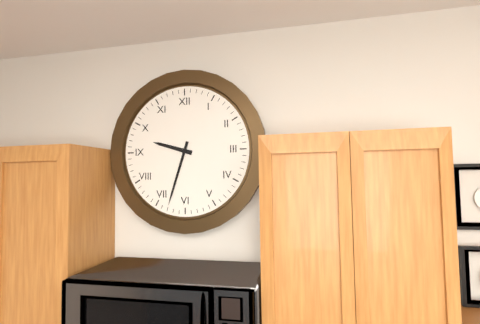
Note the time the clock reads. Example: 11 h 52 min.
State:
9 h 33 min
